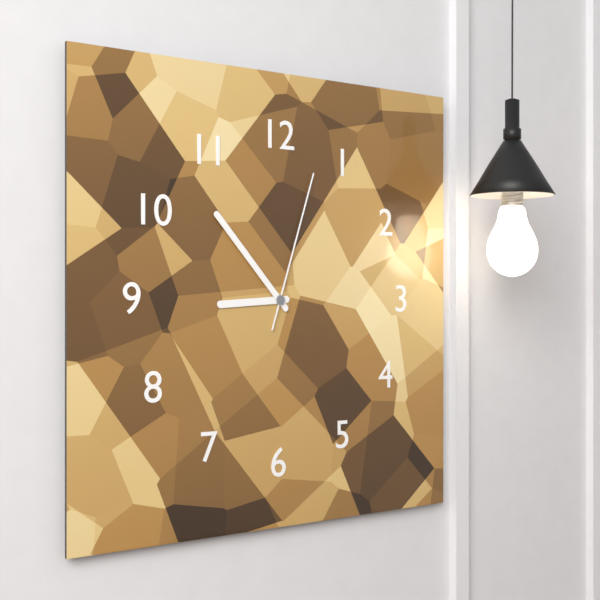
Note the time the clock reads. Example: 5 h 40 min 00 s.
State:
8 h 53 min 03 s
